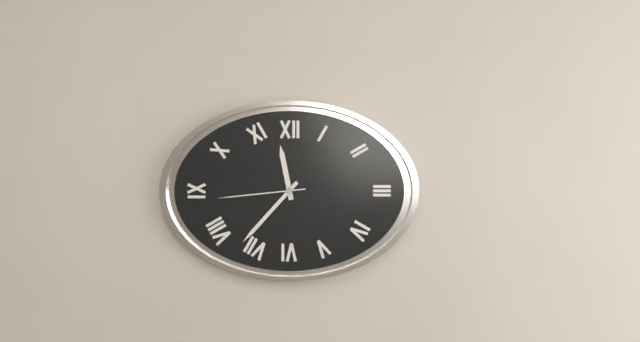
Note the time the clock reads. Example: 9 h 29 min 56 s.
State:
11 h 37 min 44 s
